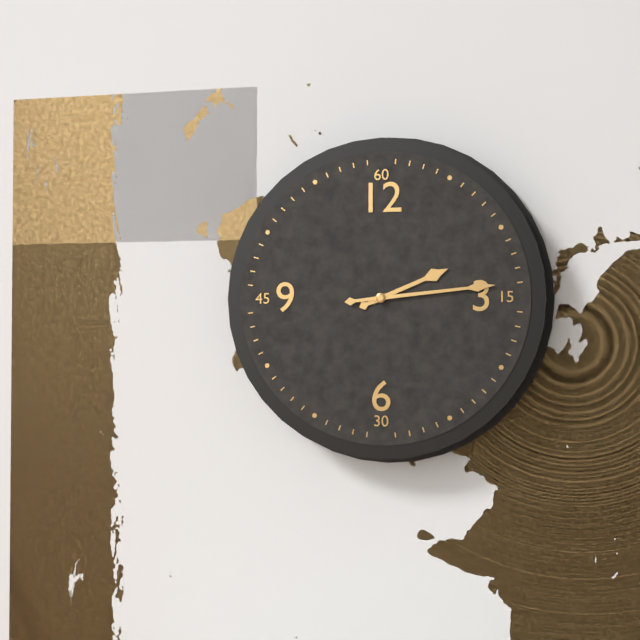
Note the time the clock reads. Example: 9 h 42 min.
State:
2 h 14 min
